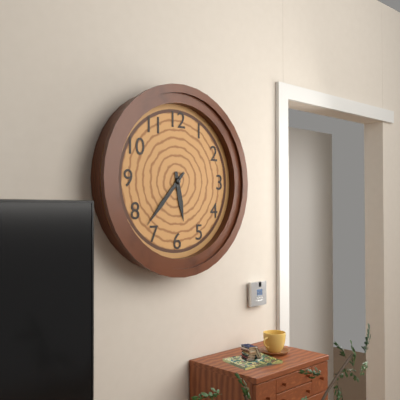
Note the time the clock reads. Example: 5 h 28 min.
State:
5 h 37 min
